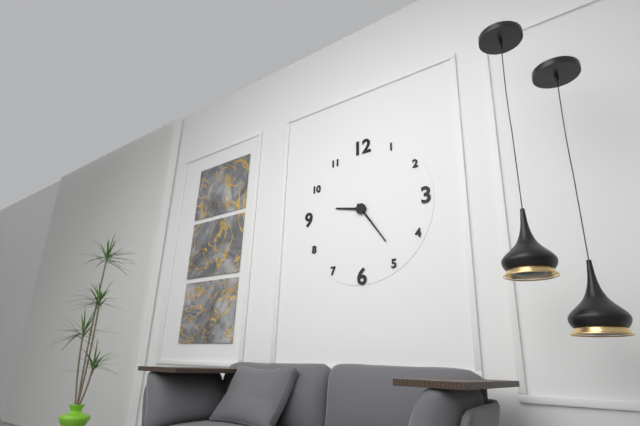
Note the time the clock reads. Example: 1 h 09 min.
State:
9 h 24 min
